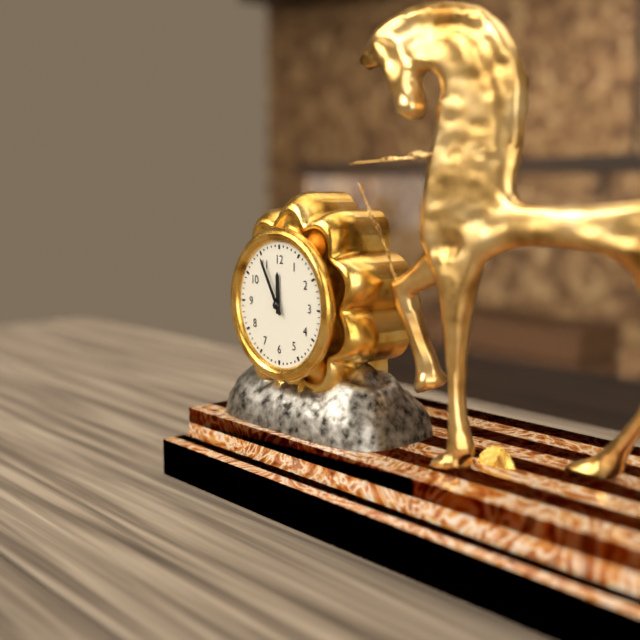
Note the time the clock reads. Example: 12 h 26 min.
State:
11 h 55 min
